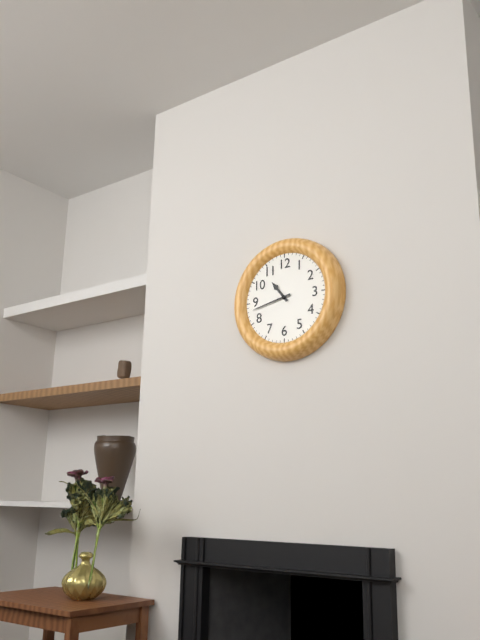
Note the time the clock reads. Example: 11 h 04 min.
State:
10 h 43 min
